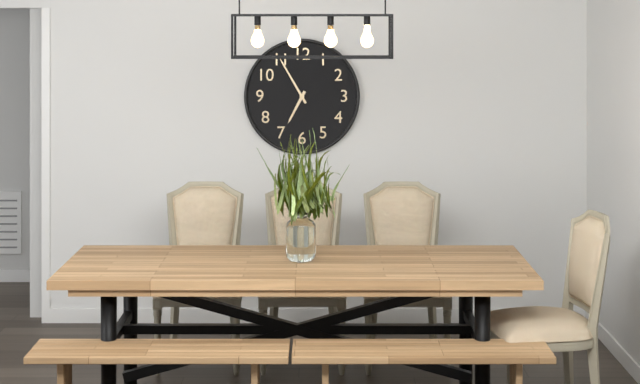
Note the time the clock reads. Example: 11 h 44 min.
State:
6 h 55 min
